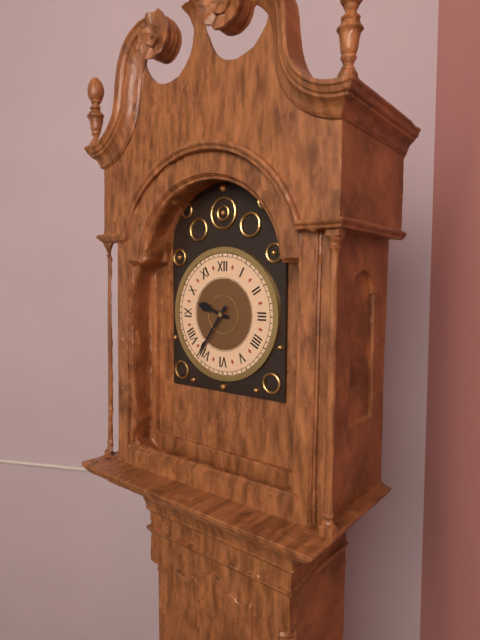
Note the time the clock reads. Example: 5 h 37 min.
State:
9 h 36 min
